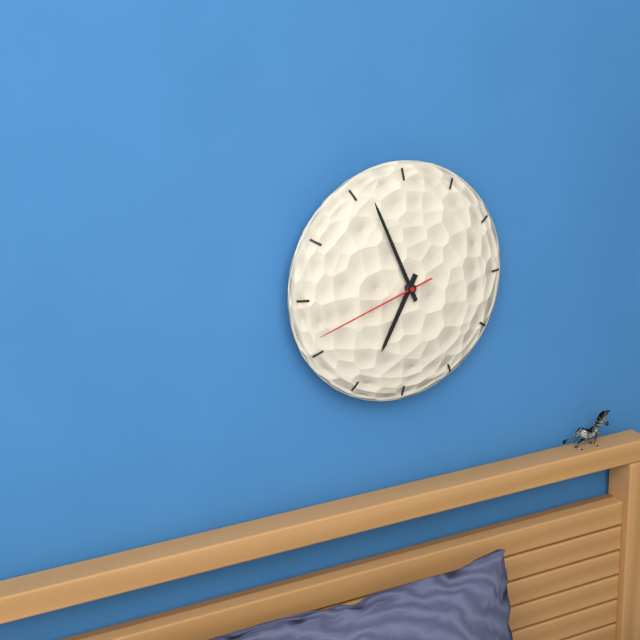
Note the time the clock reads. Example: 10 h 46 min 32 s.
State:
6 h 56 min 42 s
